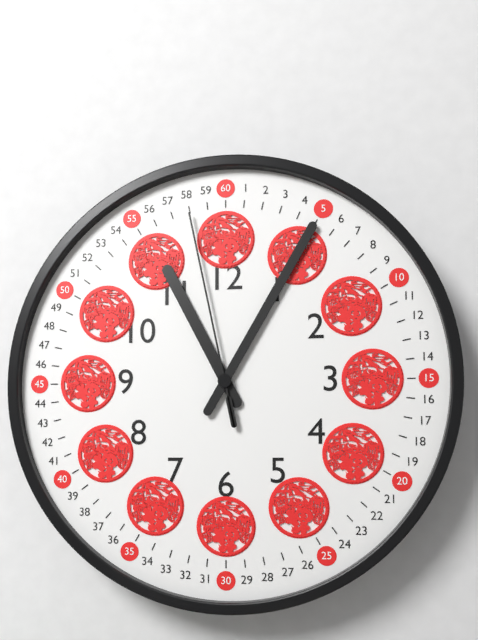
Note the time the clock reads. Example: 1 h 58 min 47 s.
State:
11 h 05 min 58 s
